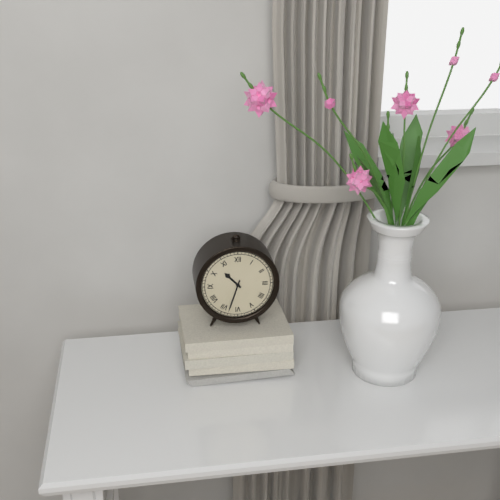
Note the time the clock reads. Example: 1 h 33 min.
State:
10 h 33 min
